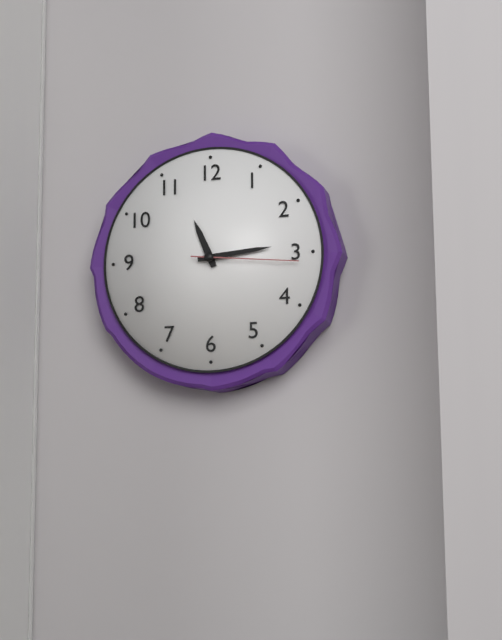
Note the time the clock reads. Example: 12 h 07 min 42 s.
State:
11 h 14 min 16 s
